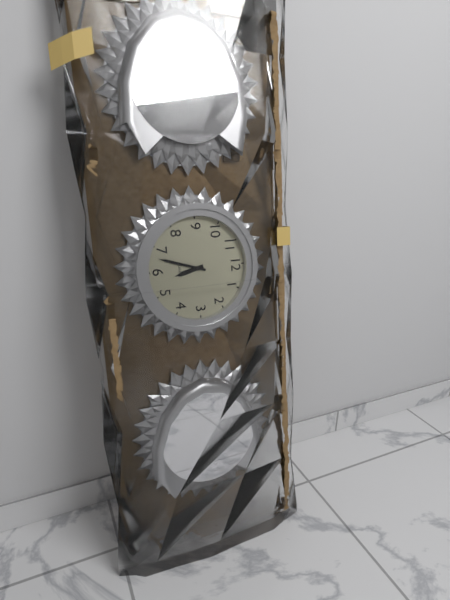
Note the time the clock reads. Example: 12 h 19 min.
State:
5 h 33 min
